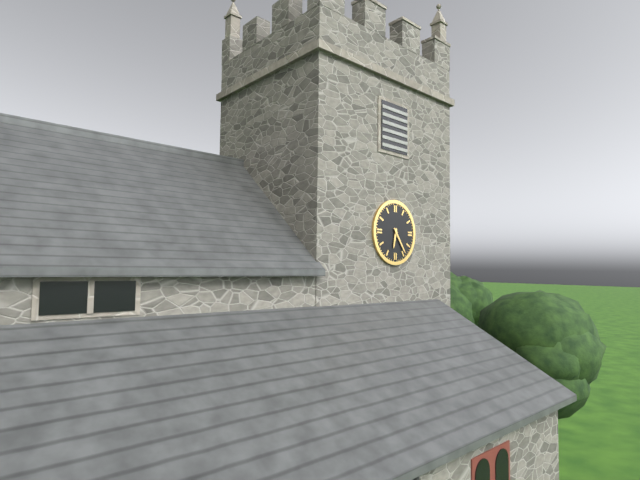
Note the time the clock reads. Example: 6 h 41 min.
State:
6 h 24 min
